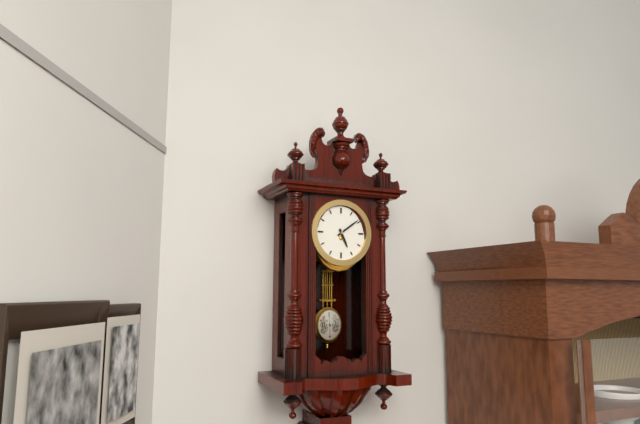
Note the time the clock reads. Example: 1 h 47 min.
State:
5 h 09 min
